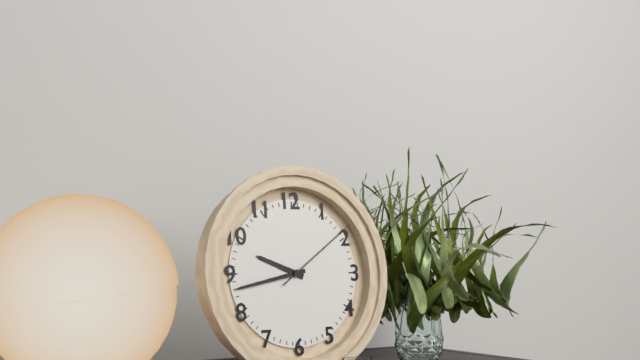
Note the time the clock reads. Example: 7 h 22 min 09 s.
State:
9 h 43 min 09 s
